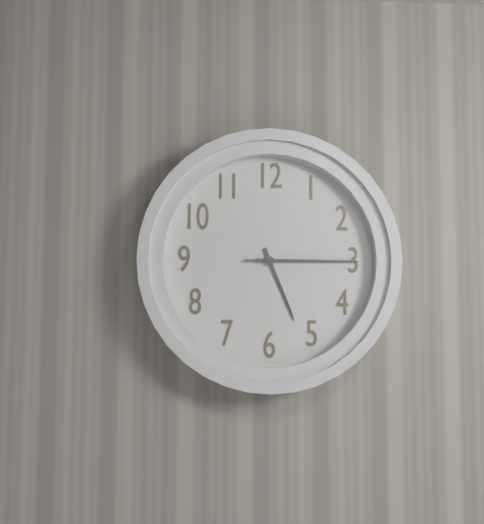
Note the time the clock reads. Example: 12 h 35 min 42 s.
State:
5 h 15 min 15 s
